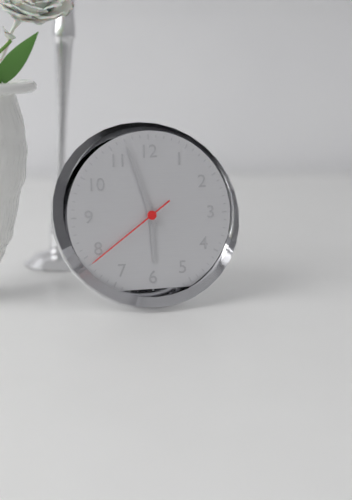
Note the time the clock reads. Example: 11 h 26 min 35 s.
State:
5 h 57 min 39 s
